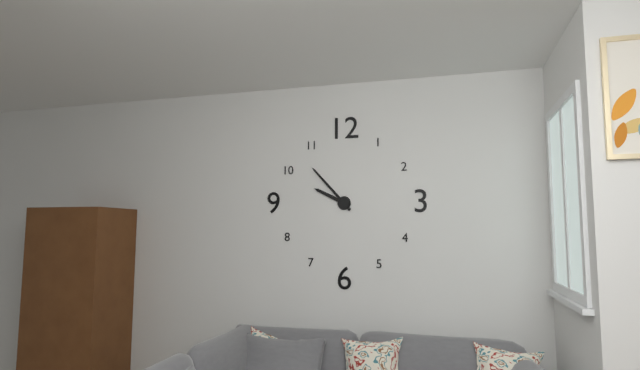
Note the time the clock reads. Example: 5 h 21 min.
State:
9 h 53 min
